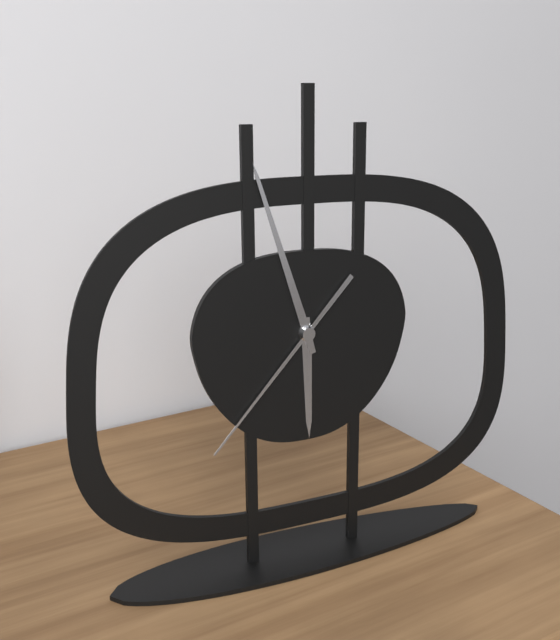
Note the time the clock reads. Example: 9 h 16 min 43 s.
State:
5 h 57 min 37 s
